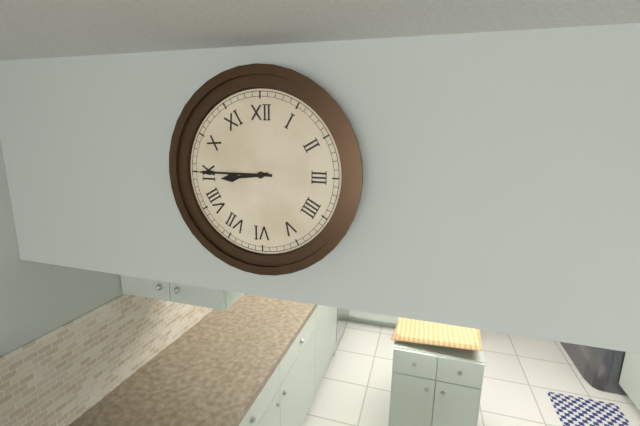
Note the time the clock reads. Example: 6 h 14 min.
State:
8 h 45 min
